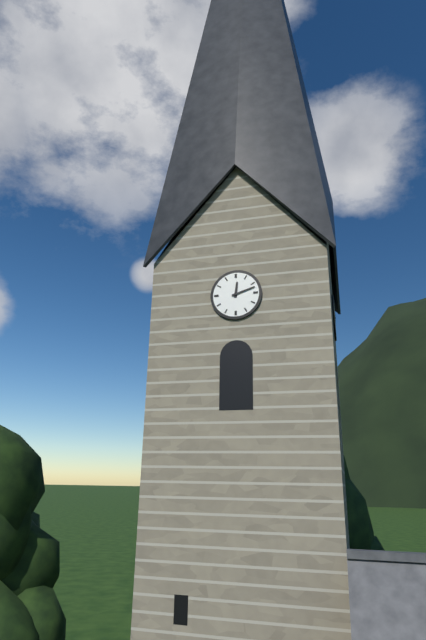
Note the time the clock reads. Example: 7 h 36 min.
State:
12 h 12 min
